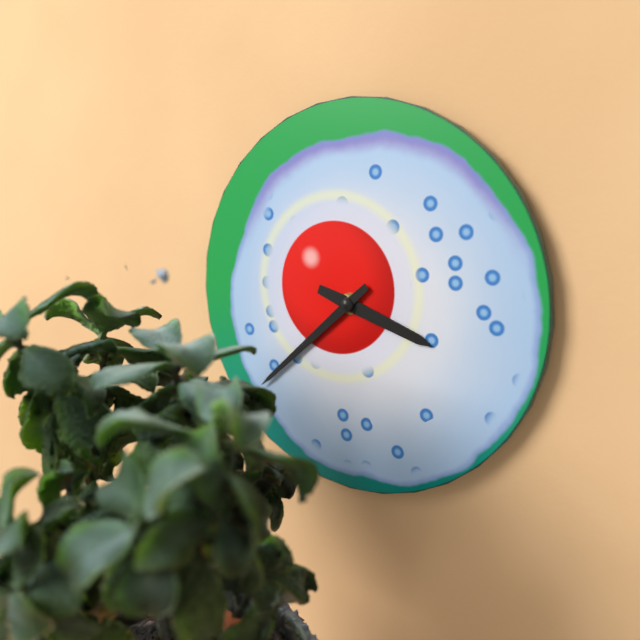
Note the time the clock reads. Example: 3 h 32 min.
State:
3 h 38 min
